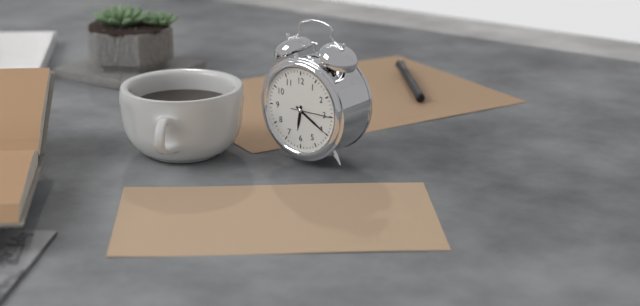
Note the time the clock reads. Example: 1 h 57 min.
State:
6 h 20 min
